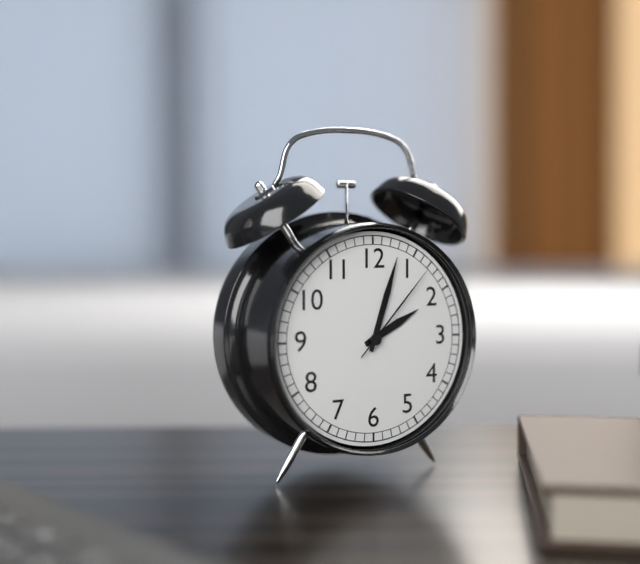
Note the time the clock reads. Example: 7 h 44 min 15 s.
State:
2 h 03 min 07 s
